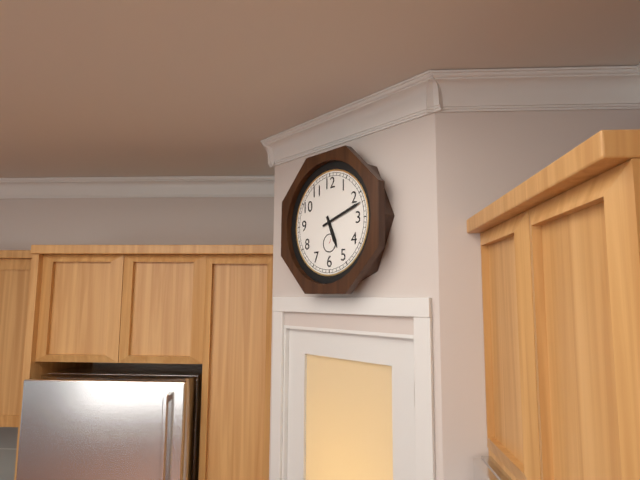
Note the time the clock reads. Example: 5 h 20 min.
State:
5 h 12 min
